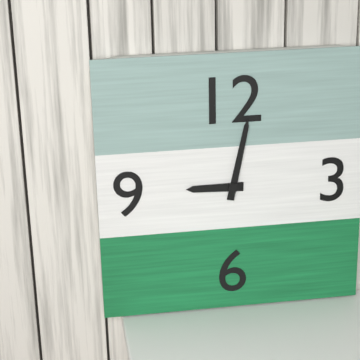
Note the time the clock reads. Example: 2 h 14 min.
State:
9 h 02 min
